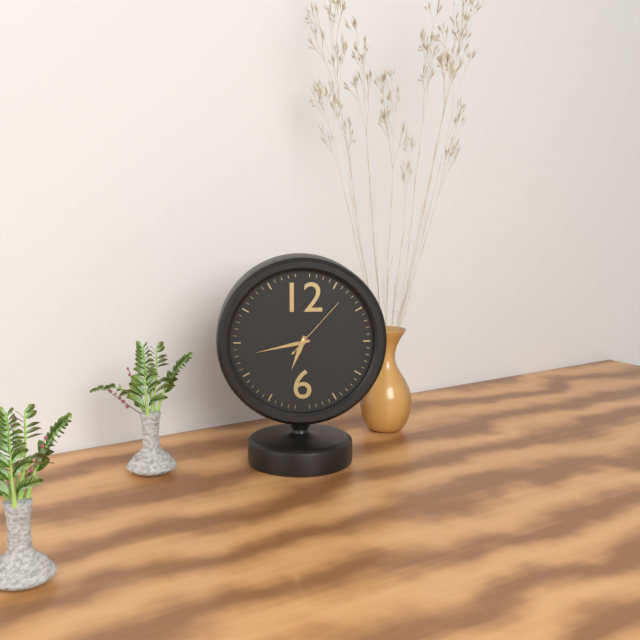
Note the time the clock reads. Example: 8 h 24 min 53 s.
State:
6 h 43 min 07 s
